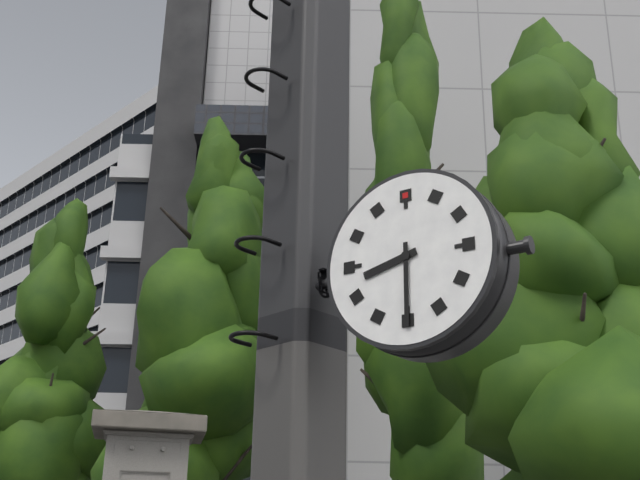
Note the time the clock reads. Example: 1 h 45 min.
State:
8 h 30 min
